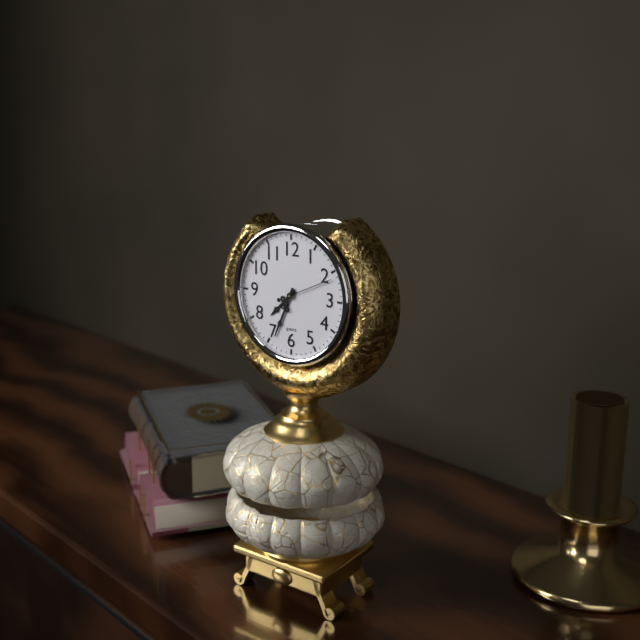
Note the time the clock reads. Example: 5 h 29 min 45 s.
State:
7 h 34 min 11 s
